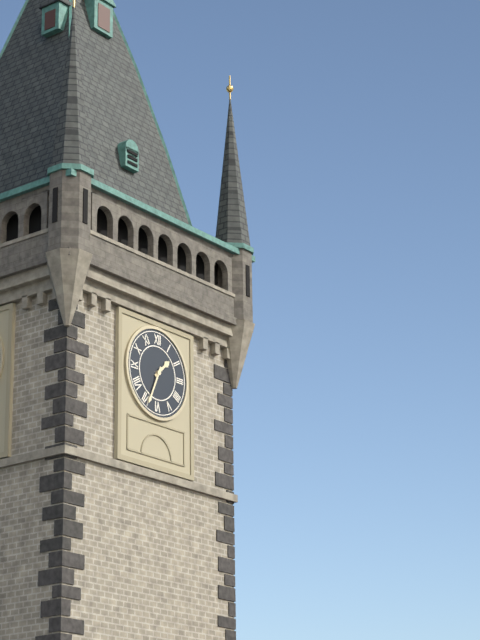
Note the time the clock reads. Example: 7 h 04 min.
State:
1 h 34 min
